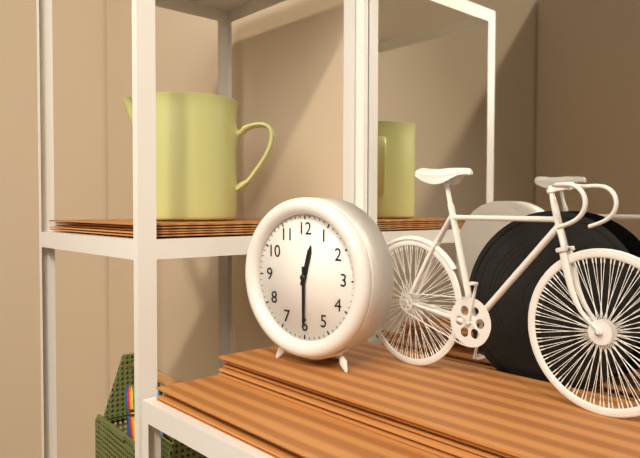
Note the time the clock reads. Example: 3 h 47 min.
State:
12 h 30 min
